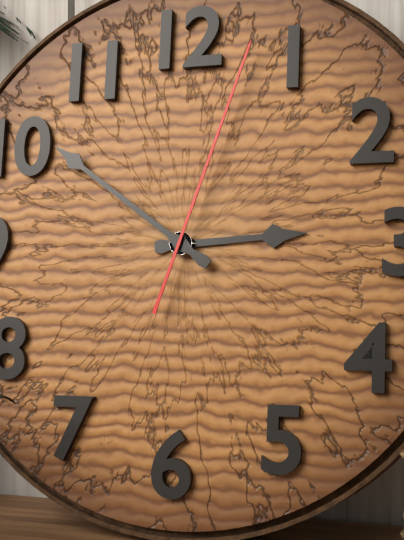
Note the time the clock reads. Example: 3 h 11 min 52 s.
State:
2 h 51 min 03 s
